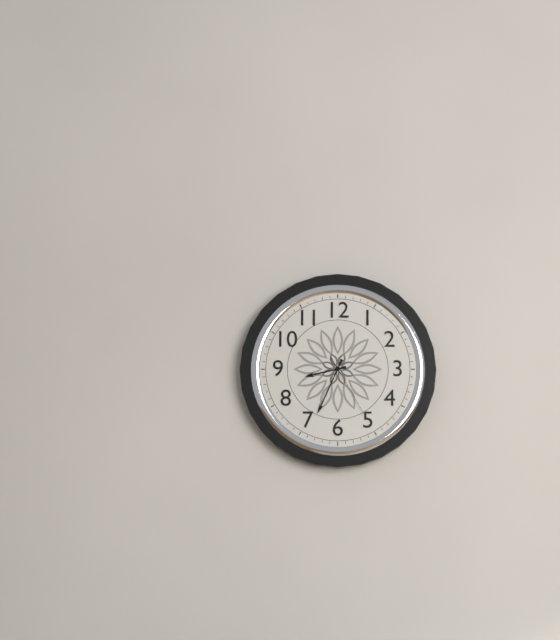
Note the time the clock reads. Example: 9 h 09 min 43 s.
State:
8 h 34 min 25 s
